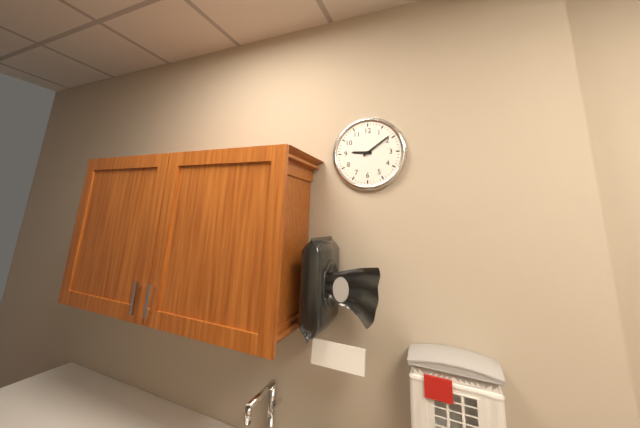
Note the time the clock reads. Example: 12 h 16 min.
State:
9 h 09 min
